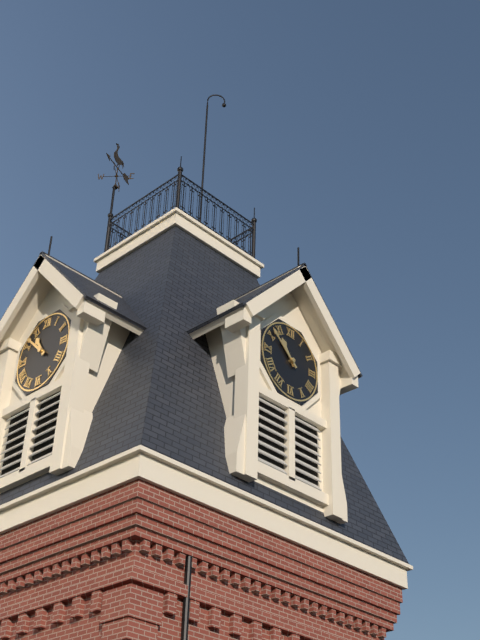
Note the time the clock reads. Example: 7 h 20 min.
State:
10 h 52 min
